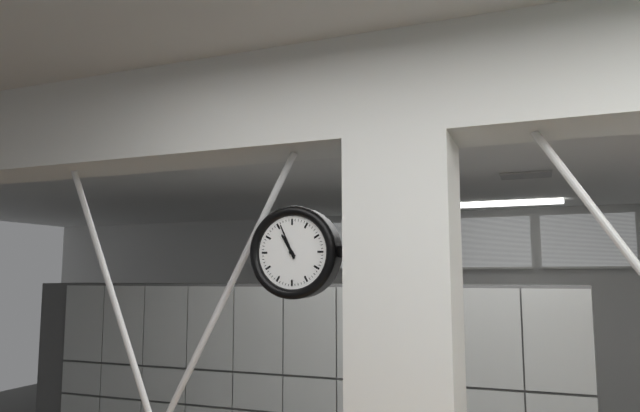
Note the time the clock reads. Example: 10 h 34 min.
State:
10 h 56 min
